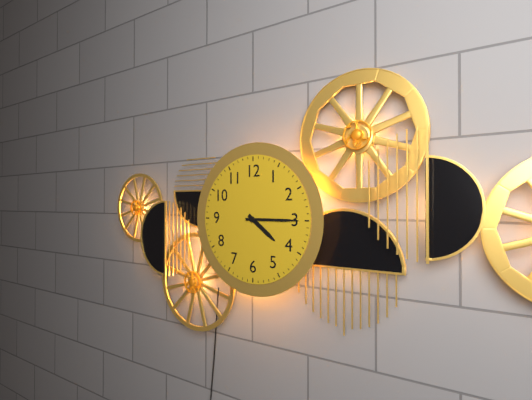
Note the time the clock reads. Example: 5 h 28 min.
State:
4 h 15 min
